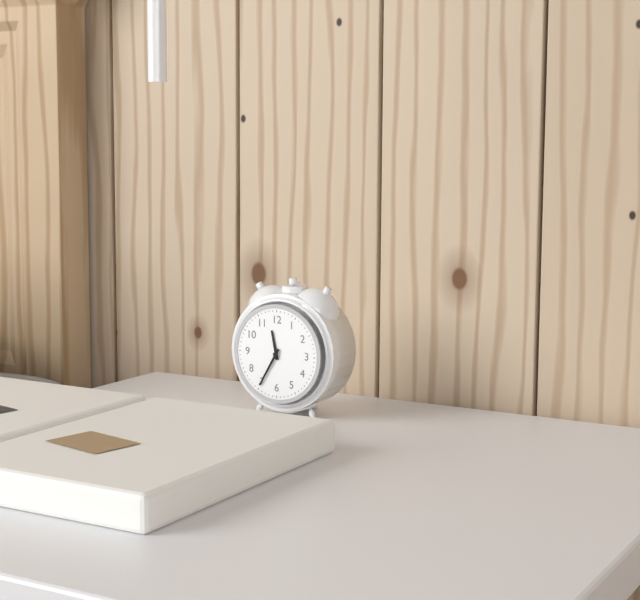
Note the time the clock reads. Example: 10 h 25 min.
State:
11 h 35 min
